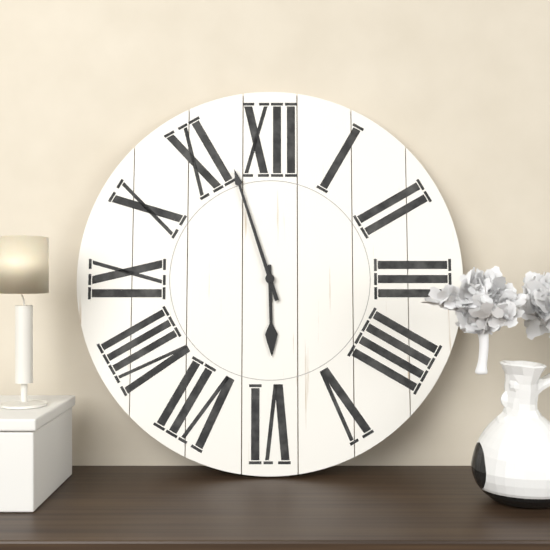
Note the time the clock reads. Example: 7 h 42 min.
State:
5 h 57 min
